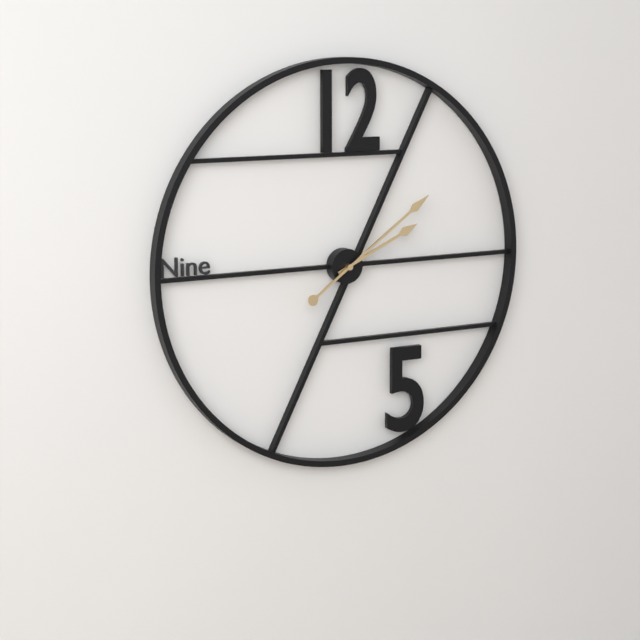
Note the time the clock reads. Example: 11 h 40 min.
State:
2 h 09 min
